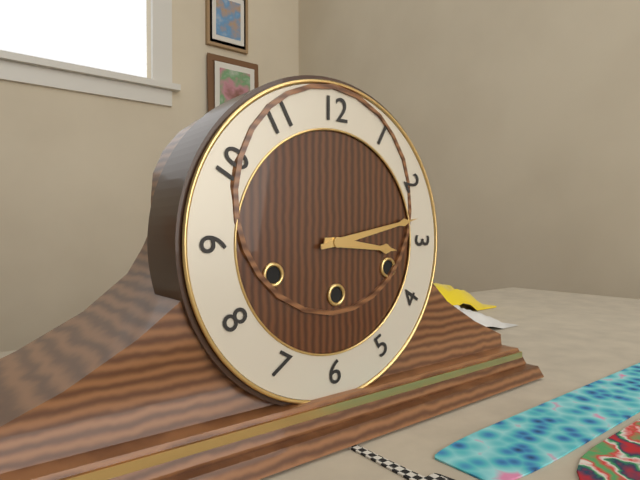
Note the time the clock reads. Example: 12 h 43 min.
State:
3 h 13 min
